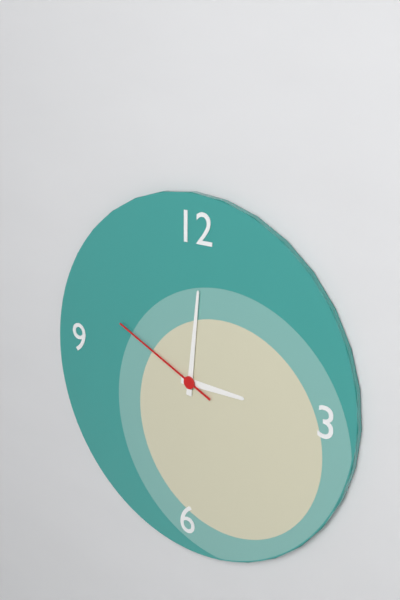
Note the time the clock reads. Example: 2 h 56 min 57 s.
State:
3 h 01 min 49 s
